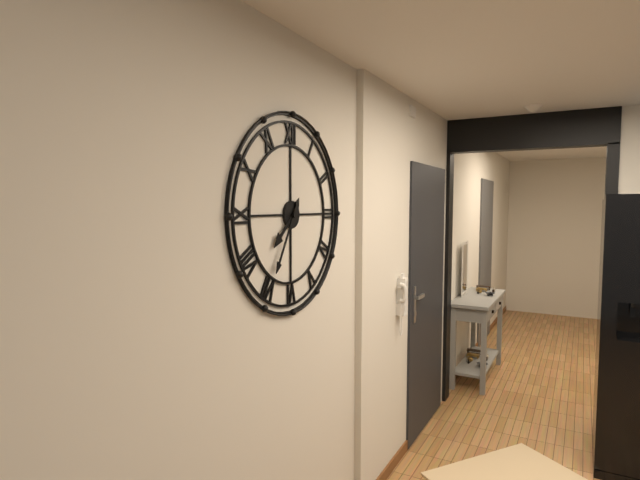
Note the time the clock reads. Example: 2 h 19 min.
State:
7 h 35 min
